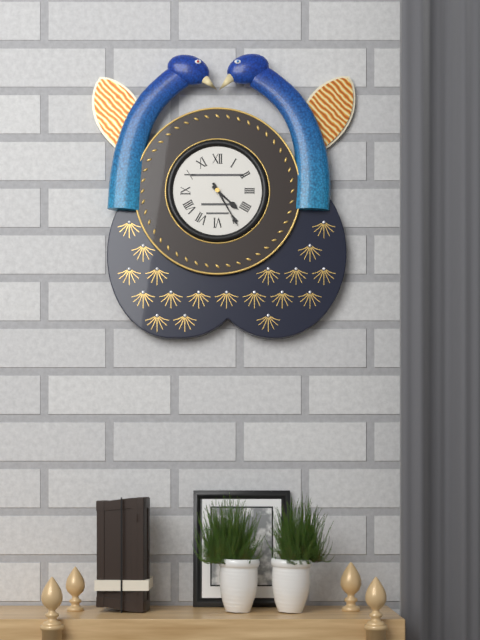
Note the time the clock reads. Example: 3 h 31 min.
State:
4 h 25 min
